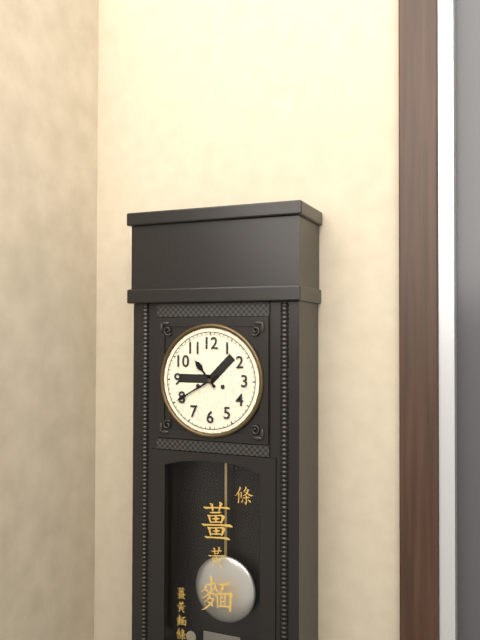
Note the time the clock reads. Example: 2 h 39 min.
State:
10 h 40 min
